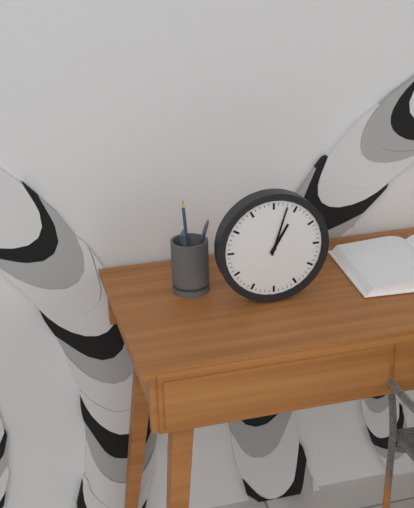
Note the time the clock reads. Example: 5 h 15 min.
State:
1 h 03 min
